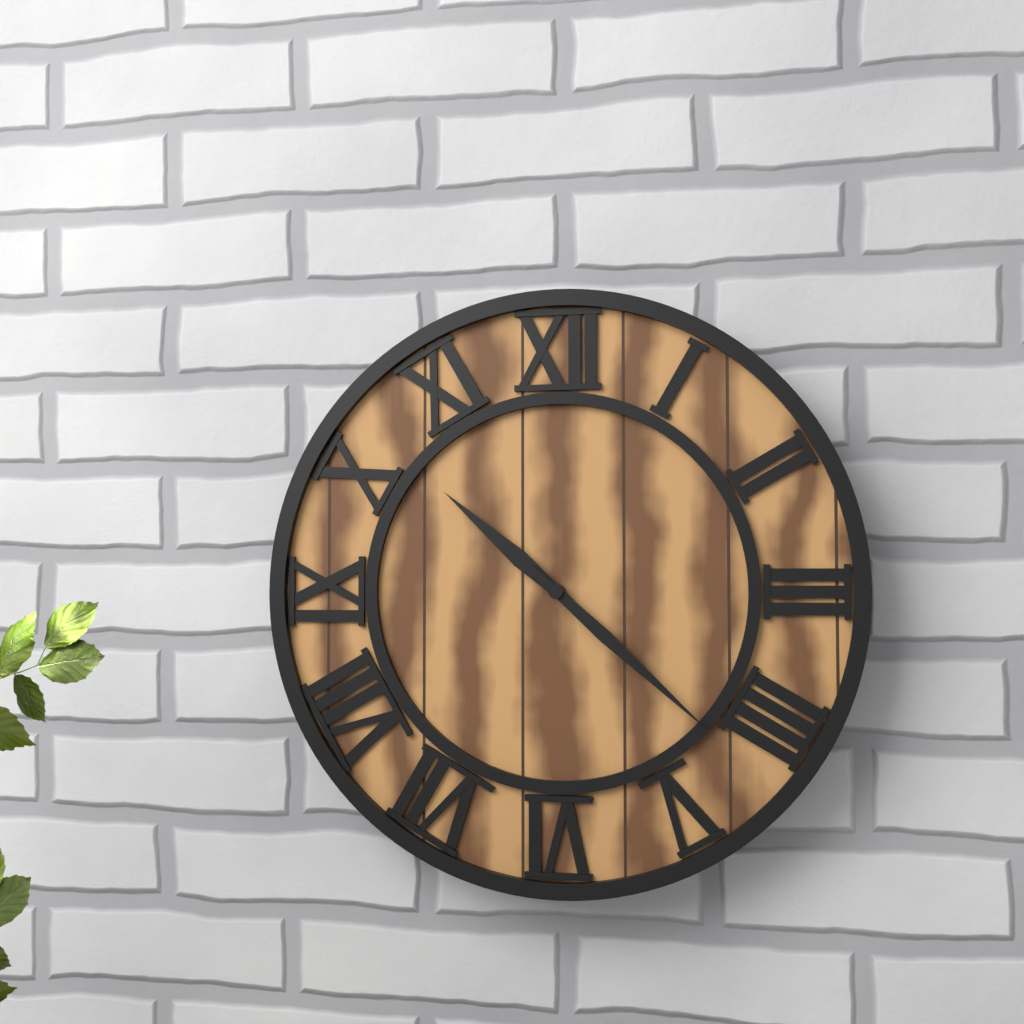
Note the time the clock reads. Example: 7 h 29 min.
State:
10 h 22 min
